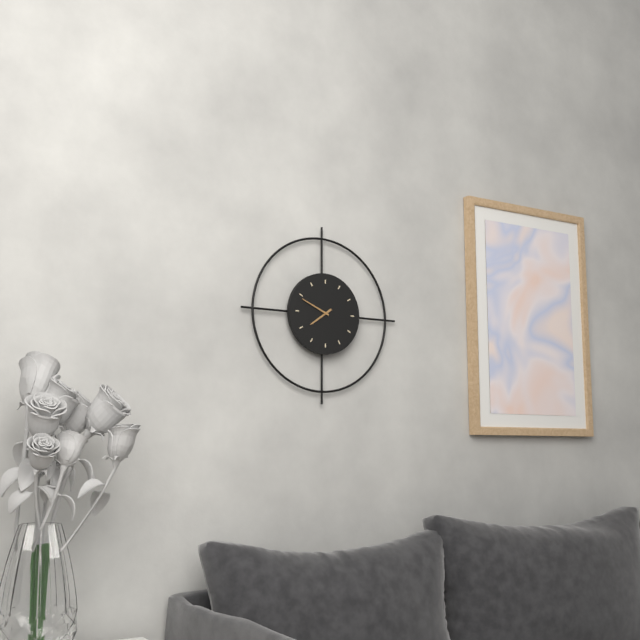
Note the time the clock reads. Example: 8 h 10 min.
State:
7 h 49 min
